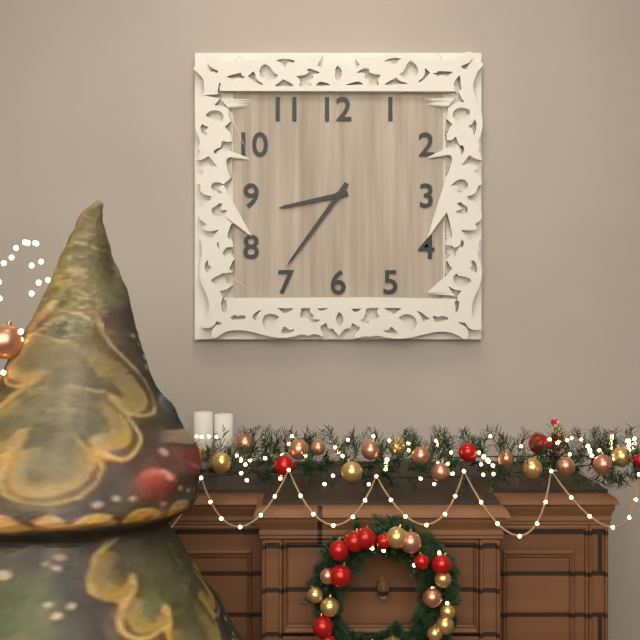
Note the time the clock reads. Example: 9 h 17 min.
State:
8 h 36 min
